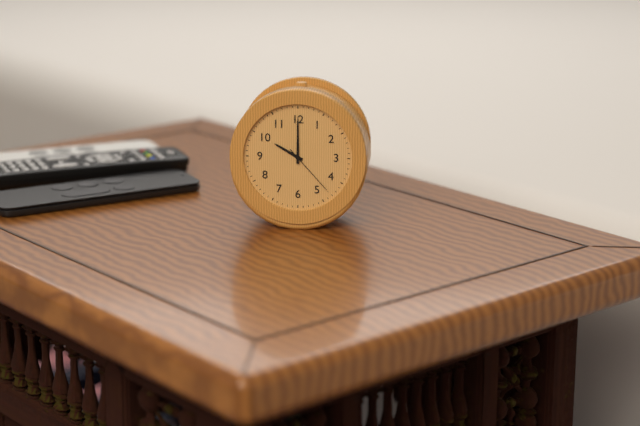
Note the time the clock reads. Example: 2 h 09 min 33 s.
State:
10 h 00 min 23 s
